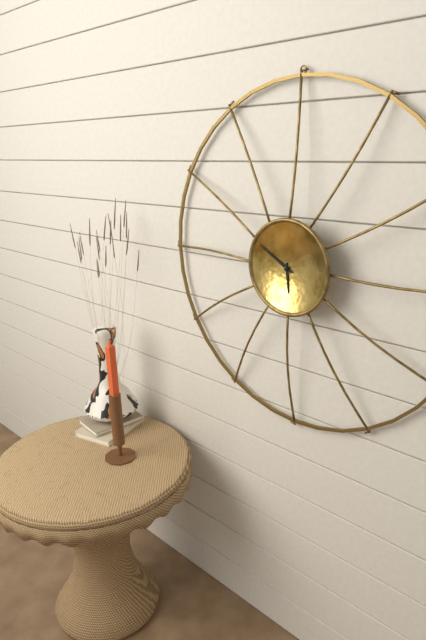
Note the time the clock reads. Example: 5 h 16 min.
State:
5 h 50 min
